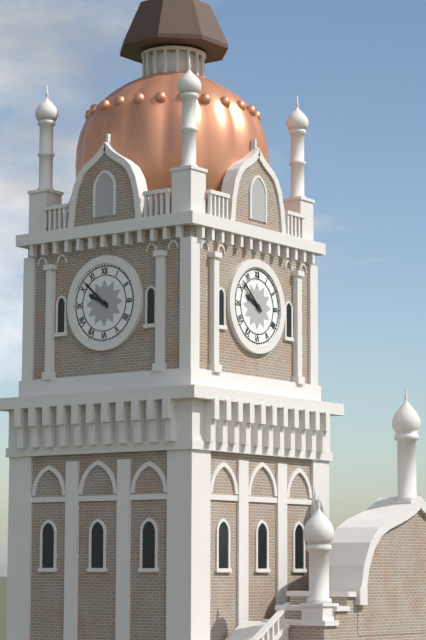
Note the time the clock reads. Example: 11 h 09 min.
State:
9 h 52 min
